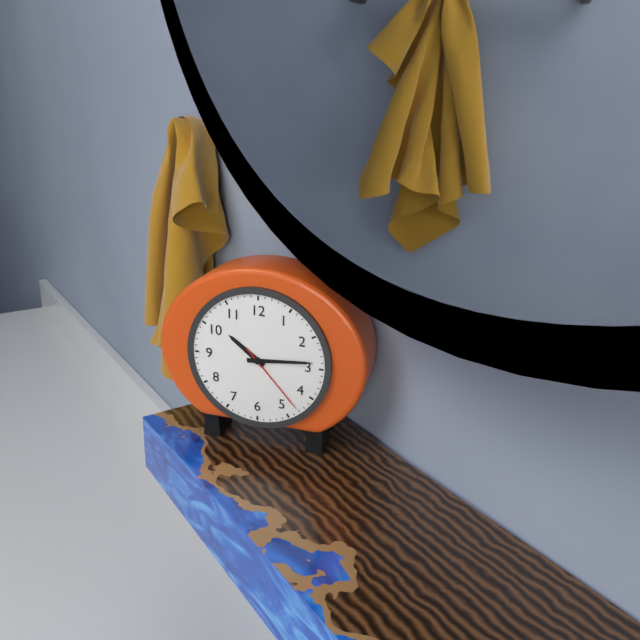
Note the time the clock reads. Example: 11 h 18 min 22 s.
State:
10 h 14 min 23 s
